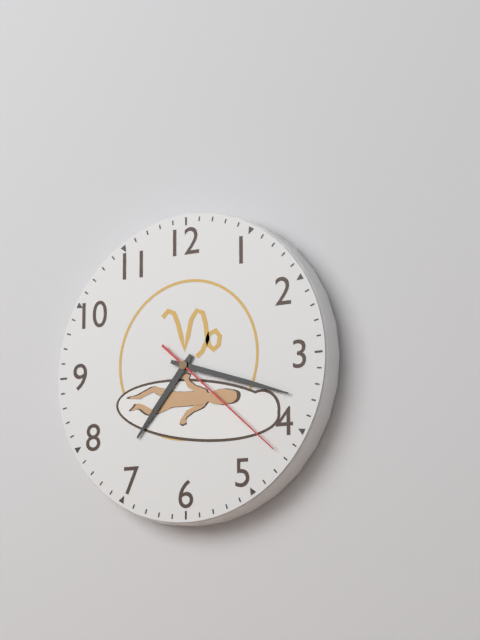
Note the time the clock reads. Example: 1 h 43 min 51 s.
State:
7 h 18 min 22 s
